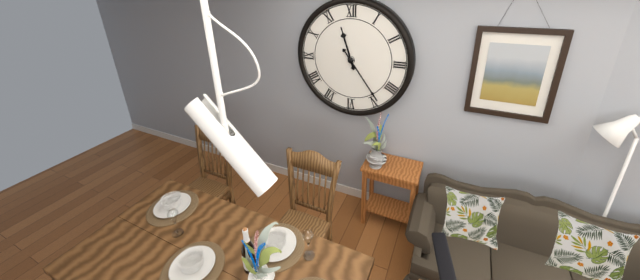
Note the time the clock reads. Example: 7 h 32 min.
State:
11 h 24 min
